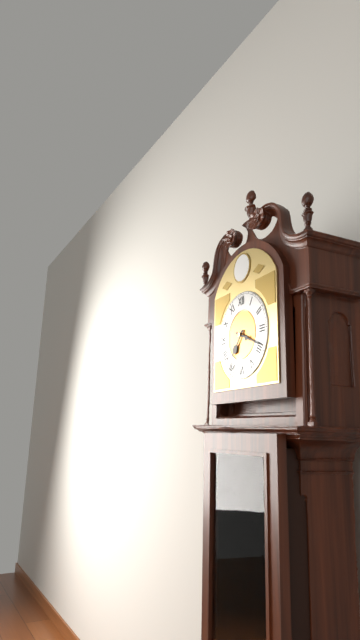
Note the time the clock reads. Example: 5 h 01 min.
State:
7 h 19 min
